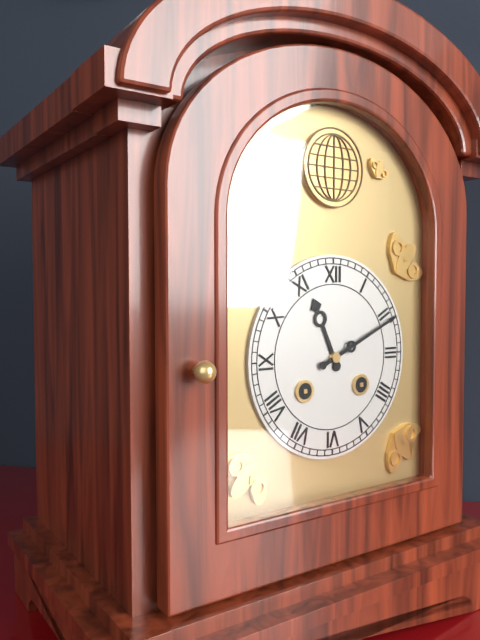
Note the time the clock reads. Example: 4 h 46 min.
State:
11 h 11 min
